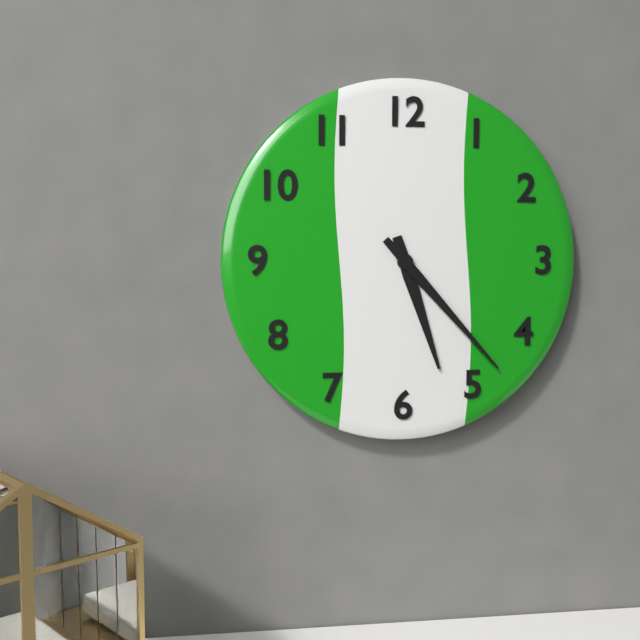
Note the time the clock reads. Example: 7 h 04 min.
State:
5 h 23 min
